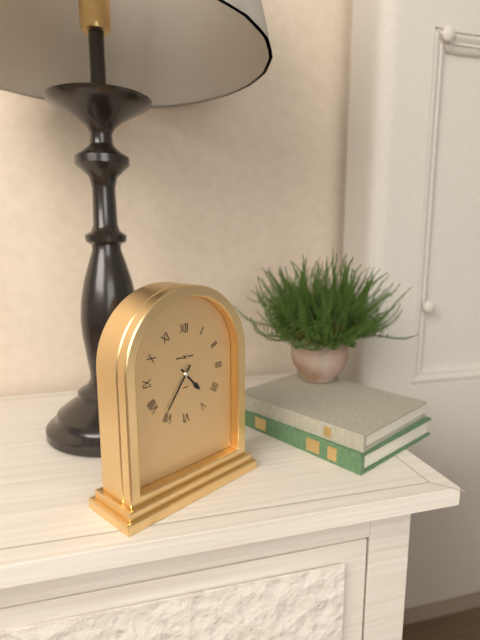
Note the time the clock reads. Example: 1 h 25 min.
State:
4 h 36 min
